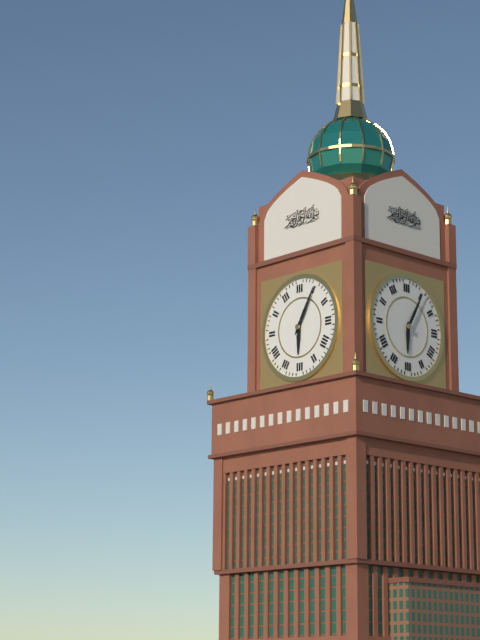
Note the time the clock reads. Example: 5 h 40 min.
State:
6 h 05 min
